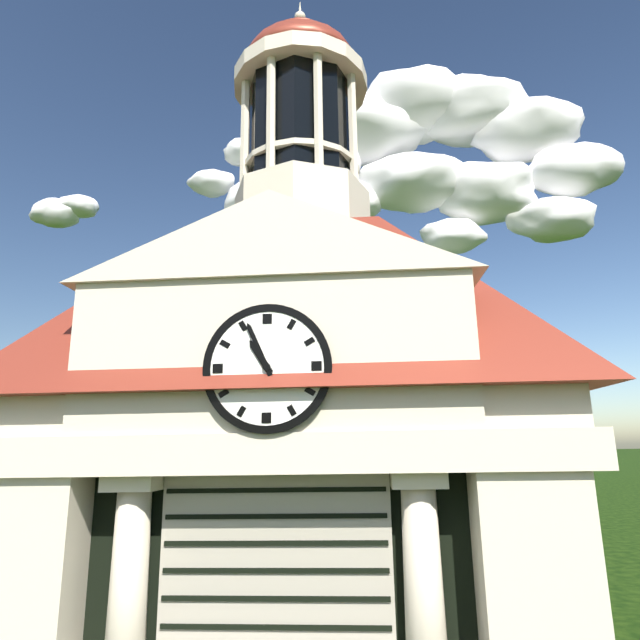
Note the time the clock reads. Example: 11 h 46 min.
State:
10 h 56 min
